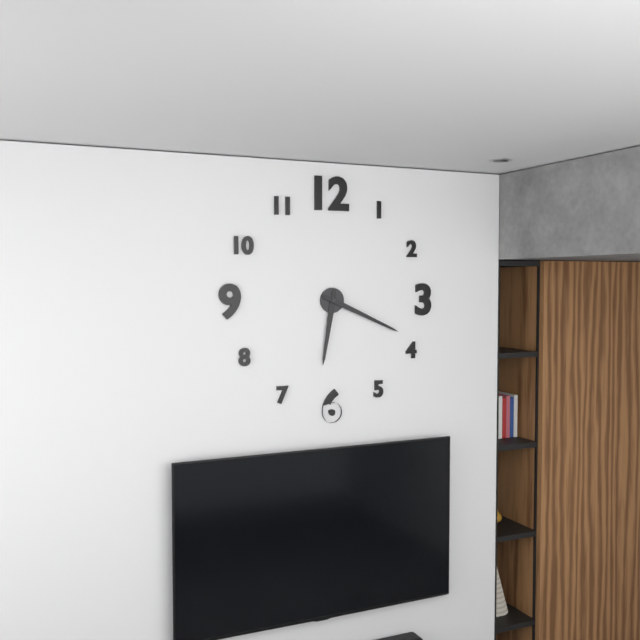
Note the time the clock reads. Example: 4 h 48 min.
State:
6 h 19 min
